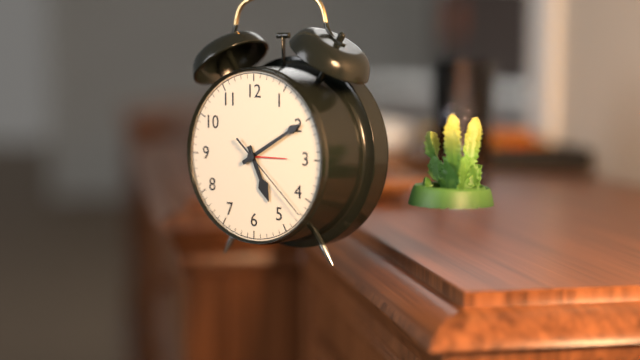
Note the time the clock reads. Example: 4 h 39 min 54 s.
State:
5 h 10 min 22 s
